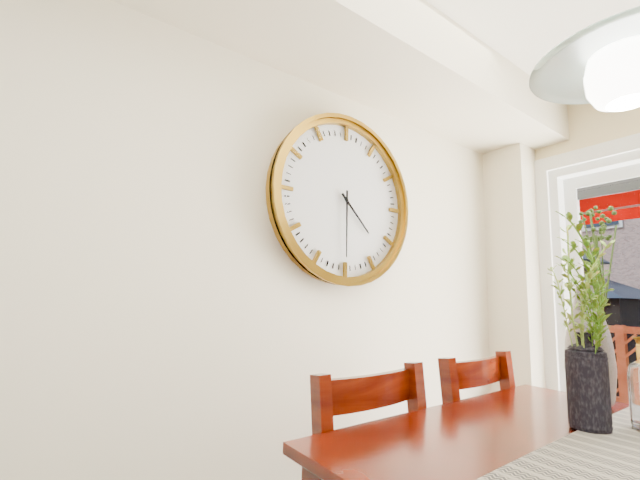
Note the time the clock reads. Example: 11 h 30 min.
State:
4 h 30 min
